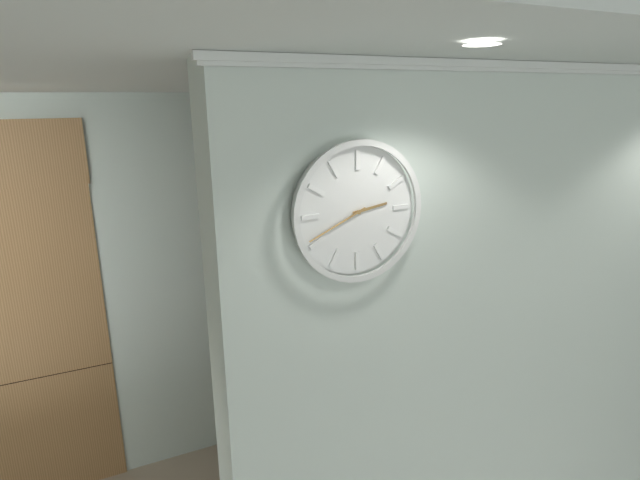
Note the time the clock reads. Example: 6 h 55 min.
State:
2 h 41 min
